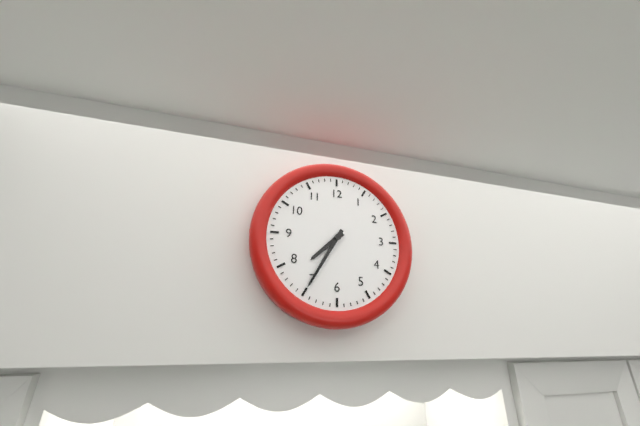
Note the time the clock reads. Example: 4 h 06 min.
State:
7 h 35 min
